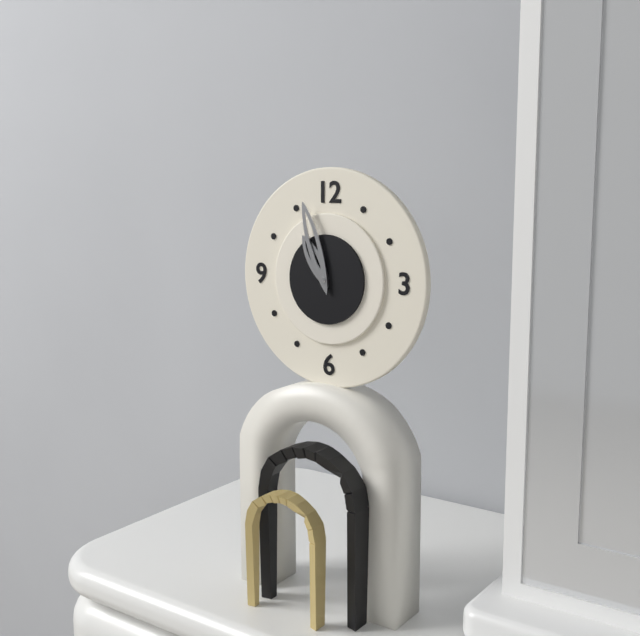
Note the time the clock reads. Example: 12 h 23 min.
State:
10 h 57 min
